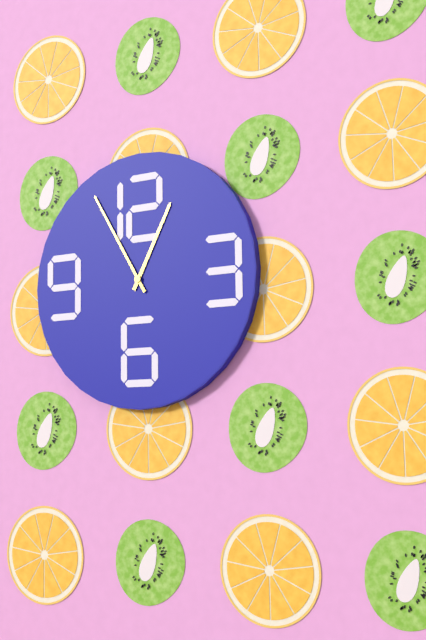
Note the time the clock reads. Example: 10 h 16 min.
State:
12 h 55 min
